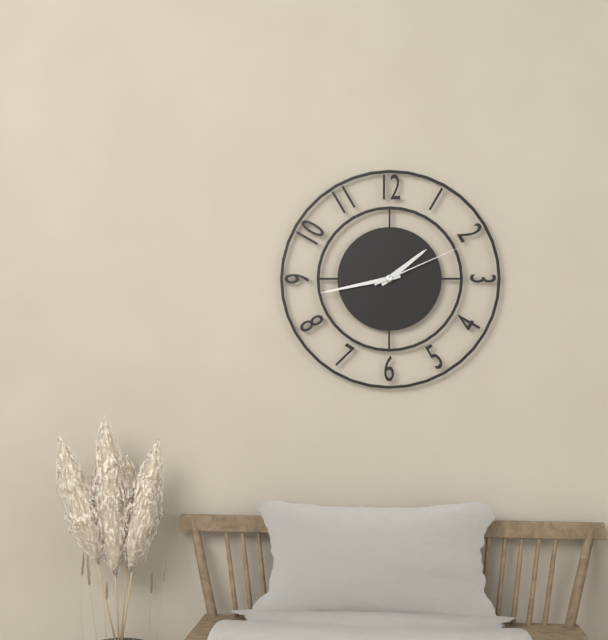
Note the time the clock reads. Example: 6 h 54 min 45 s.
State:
1 h 43 min 11 s
